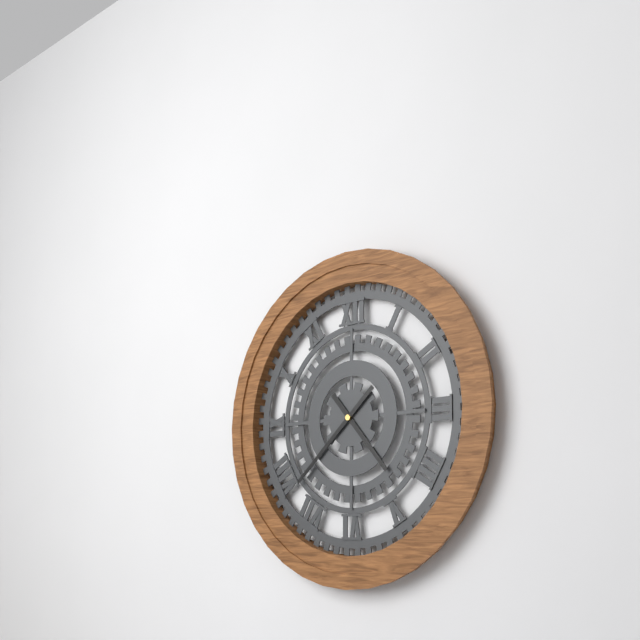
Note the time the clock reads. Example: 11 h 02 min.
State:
4 h 38 min
